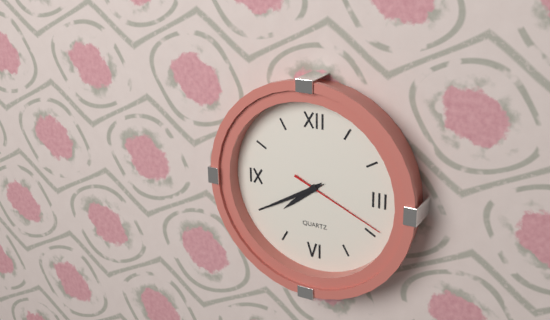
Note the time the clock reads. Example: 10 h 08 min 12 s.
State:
7 h 40 min 19 s
